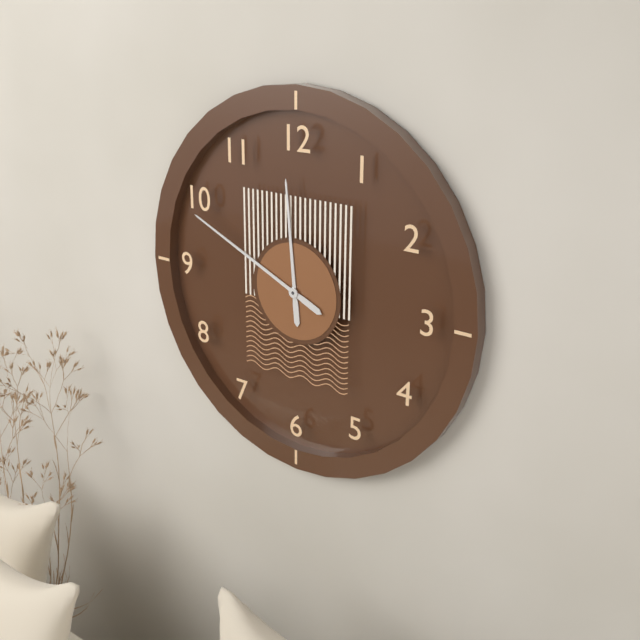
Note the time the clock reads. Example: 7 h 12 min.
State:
11 h 49 min
